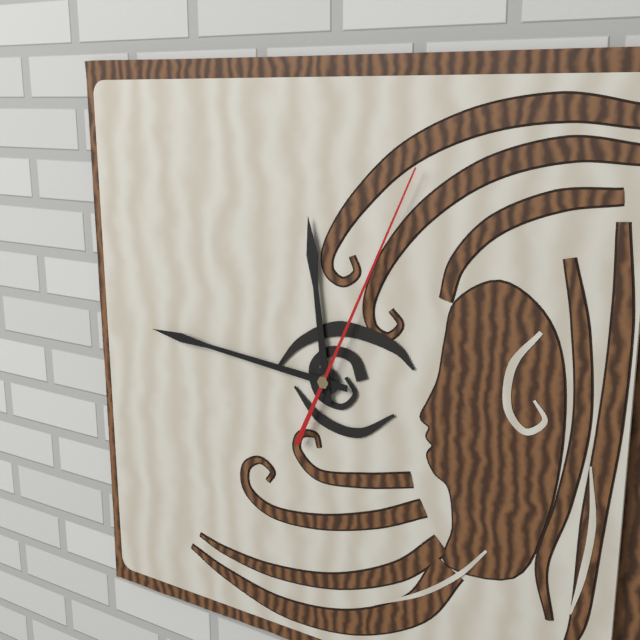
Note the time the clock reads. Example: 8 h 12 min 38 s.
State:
11 h 46 min 04 s
